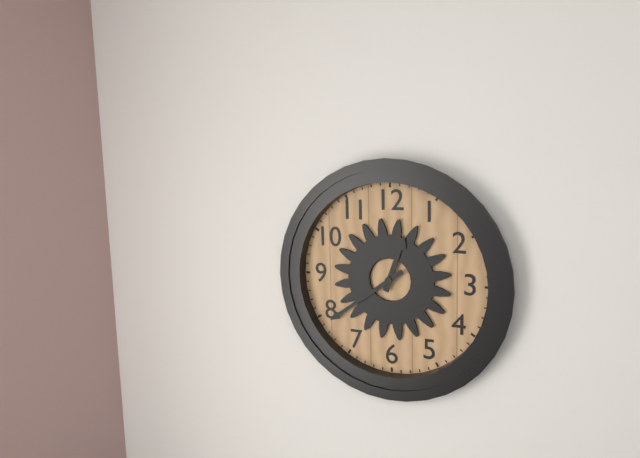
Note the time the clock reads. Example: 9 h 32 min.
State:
12 h 39 min
